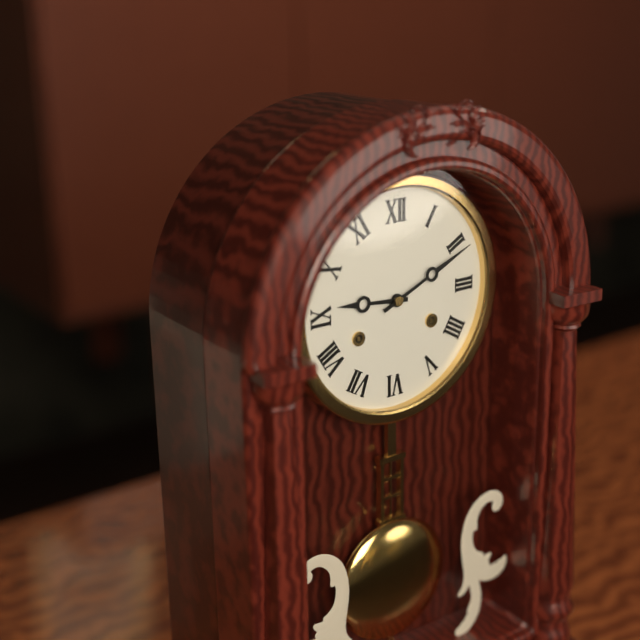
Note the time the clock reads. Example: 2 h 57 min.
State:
9 h 11 min
